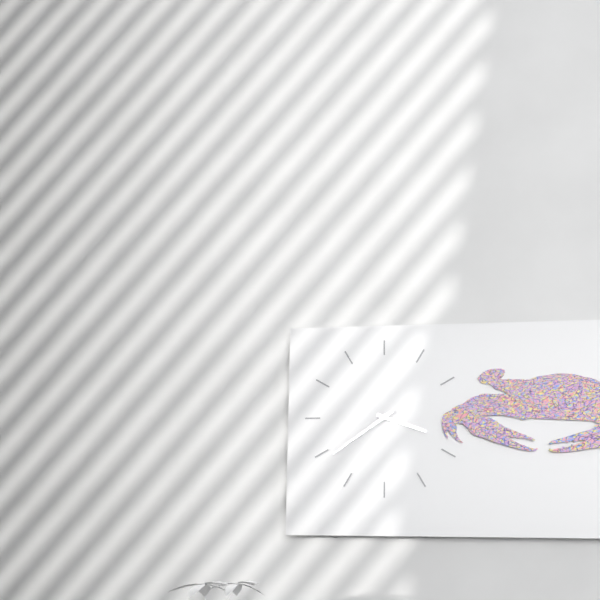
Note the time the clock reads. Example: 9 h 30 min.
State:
3 h 39 min
